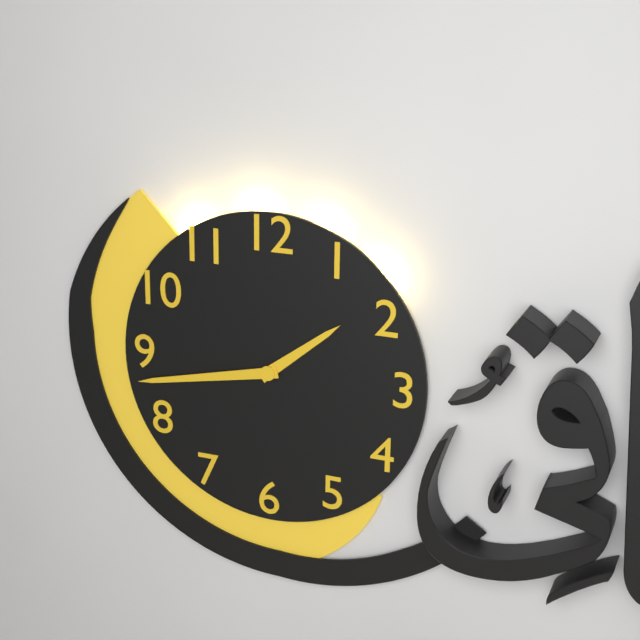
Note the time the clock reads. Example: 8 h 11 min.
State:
1 h 43 min
